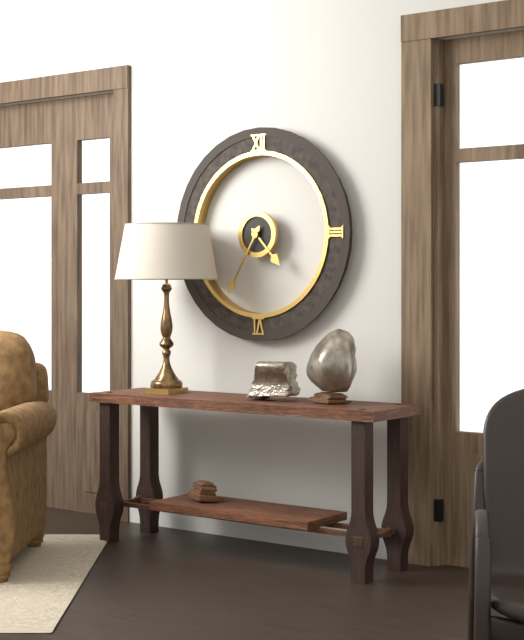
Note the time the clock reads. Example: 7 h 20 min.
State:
4 h 35 min
